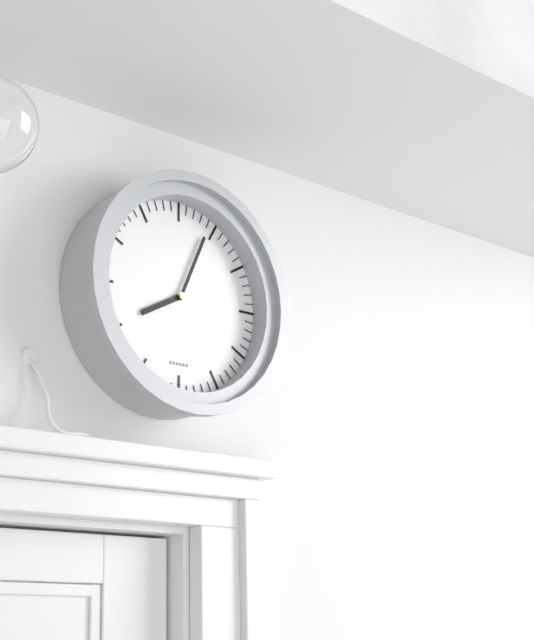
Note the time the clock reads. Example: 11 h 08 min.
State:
8 h 04 min
